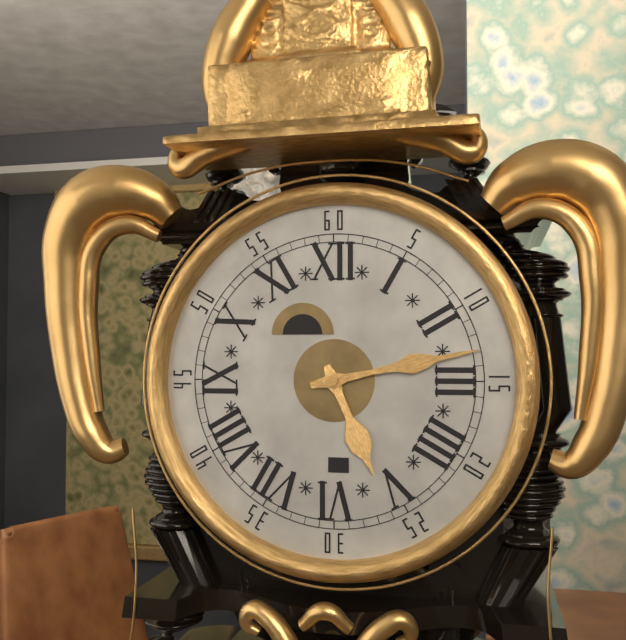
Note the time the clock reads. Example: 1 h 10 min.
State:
5 h 13 min
